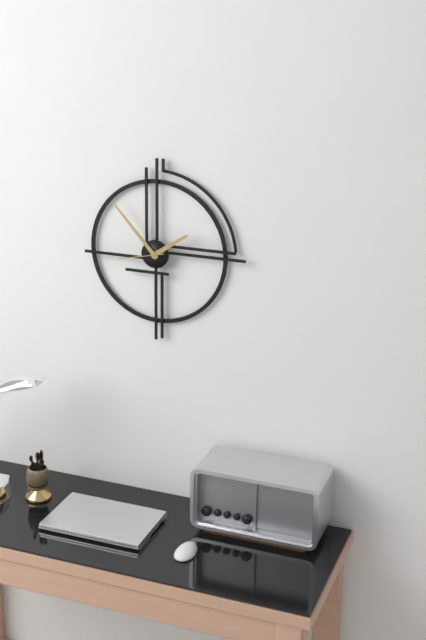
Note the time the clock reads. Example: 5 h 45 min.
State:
1 h 53 min
